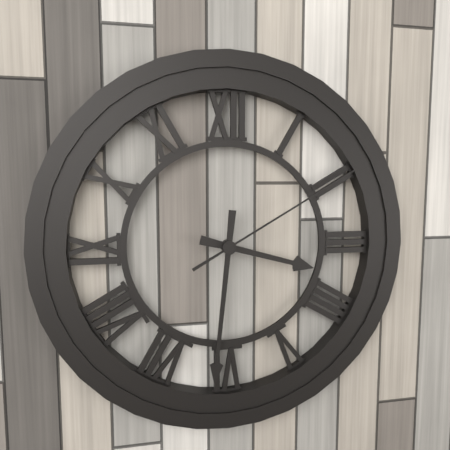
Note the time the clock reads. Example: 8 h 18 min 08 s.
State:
3 h 31 min 10 s
